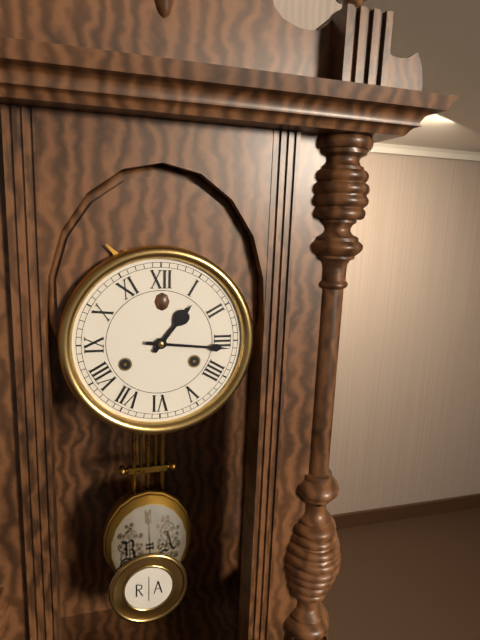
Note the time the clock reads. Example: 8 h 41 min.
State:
1 h 16 min
